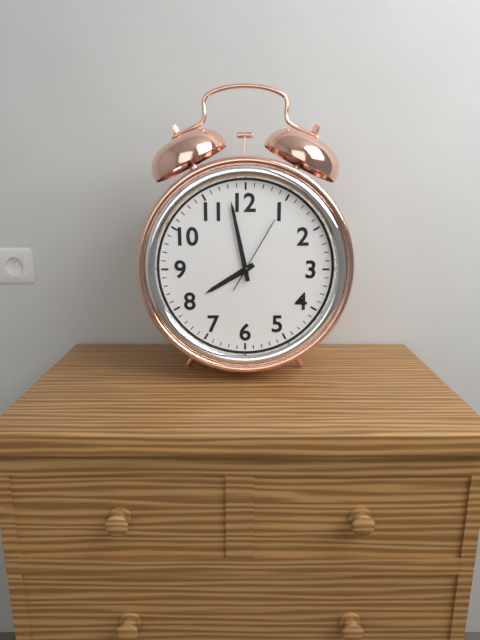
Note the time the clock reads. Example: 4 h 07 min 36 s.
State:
7 h 58 min 05 s
